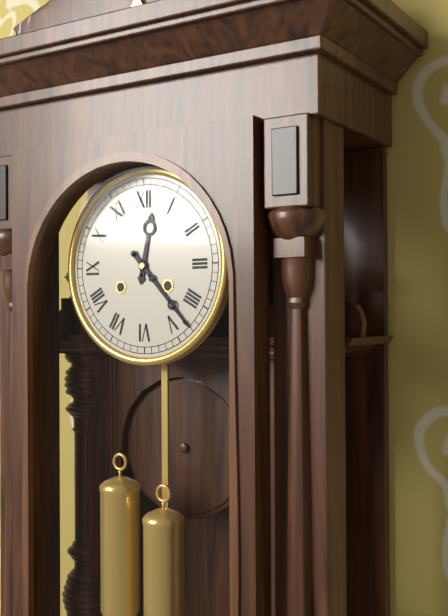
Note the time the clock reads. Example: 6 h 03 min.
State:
12 h 23 min
